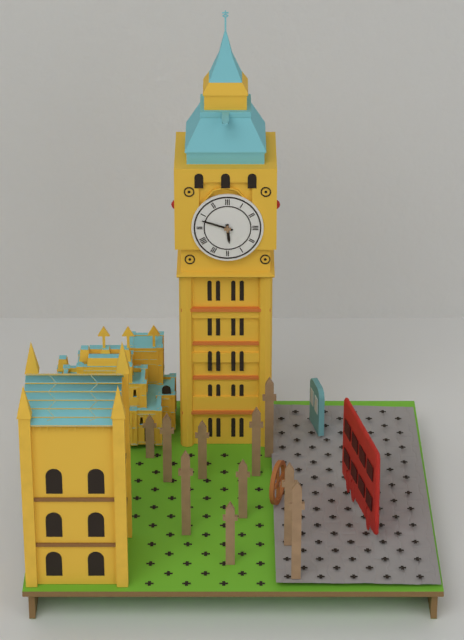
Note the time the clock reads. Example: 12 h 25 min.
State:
5 h 48 min
